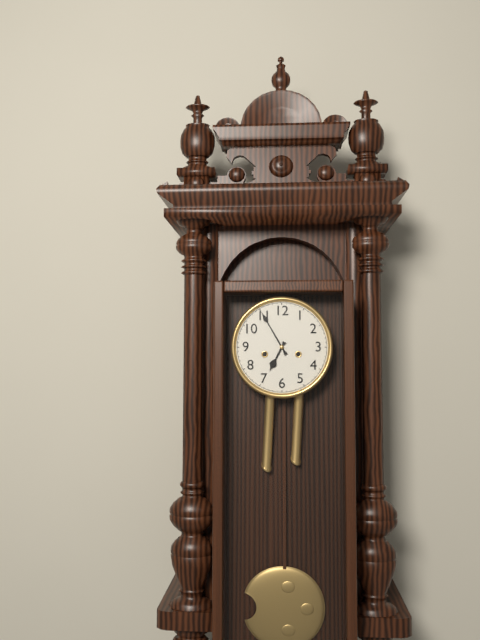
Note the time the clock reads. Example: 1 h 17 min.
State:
6 h 55 min
